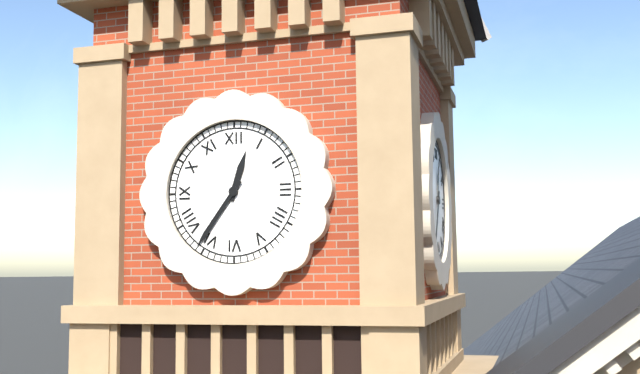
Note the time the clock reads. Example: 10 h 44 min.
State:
12 h 36 min
